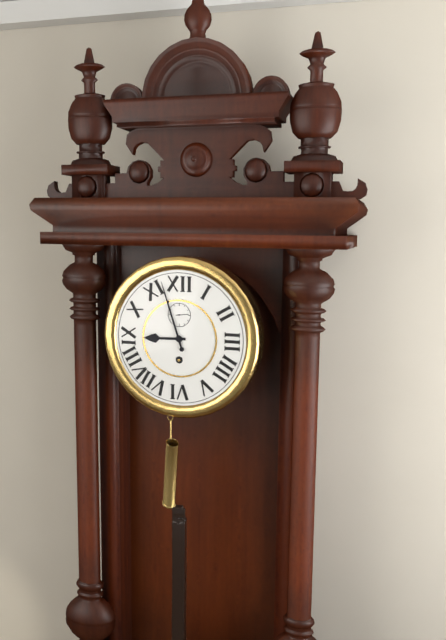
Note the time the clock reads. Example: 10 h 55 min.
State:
8 h 57 min
